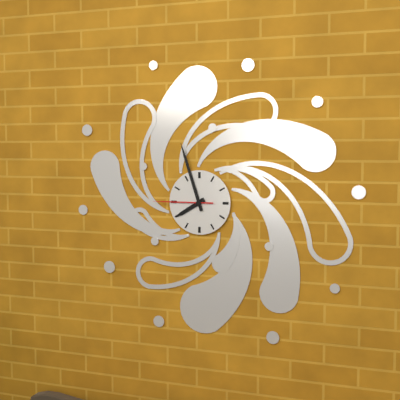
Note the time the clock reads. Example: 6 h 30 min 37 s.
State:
7 h 57 min 45 s
